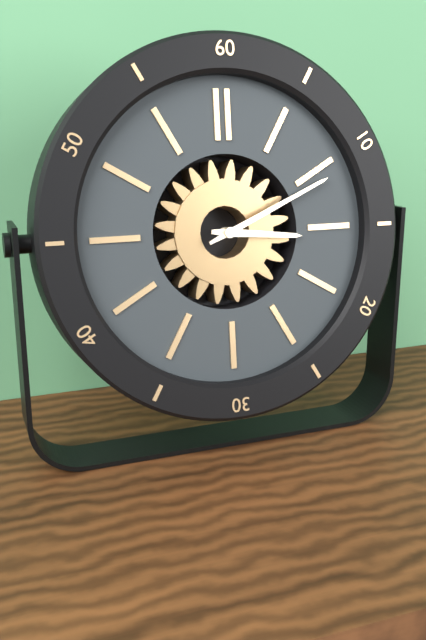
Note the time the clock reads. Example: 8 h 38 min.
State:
3 h 11 min
